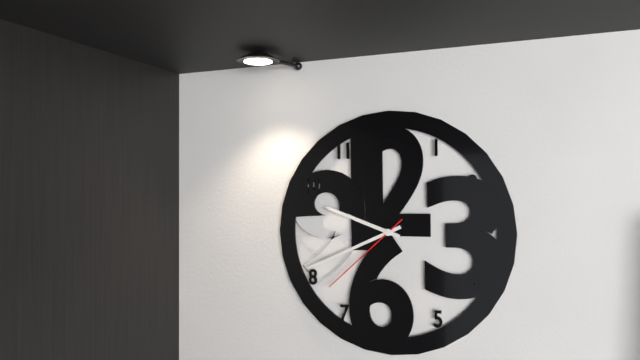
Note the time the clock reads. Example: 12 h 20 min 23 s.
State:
9 h 41 min 38 s
